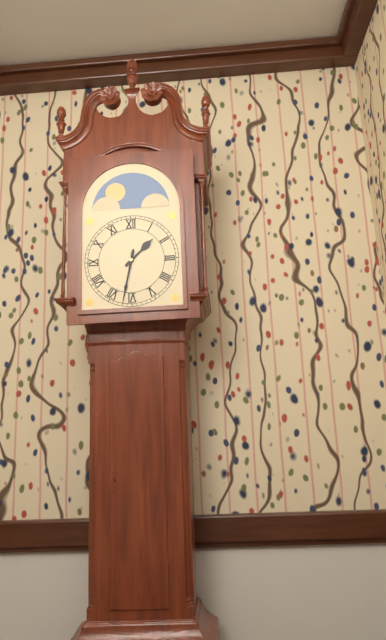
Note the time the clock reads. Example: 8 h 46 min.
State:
1 h 32 min
